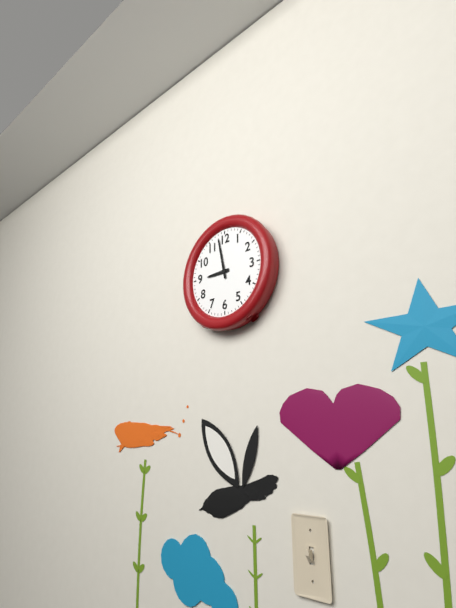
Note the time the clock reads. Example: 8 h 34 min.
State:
8 h 58 min
